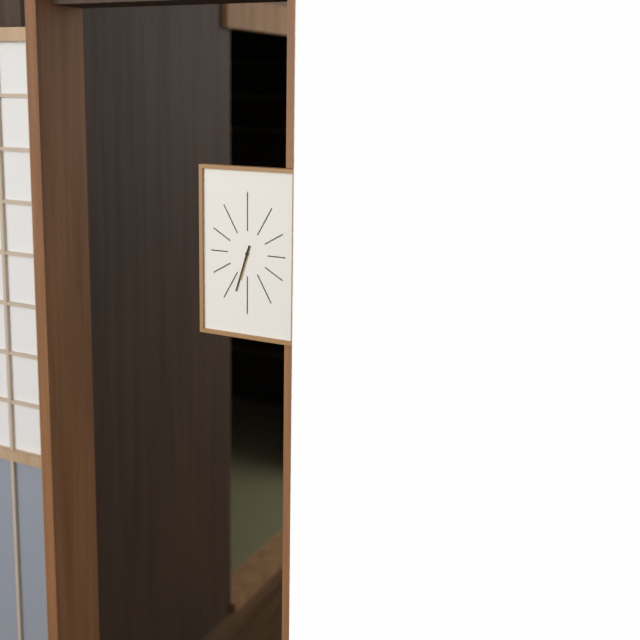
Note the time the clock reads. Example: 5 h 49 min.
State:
6 h 33 min
